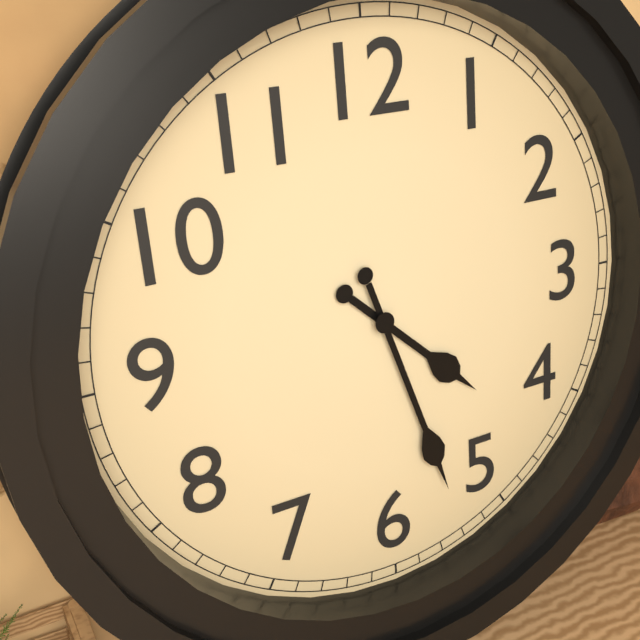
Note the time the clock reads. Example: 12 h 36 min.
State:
4 h 27 min
